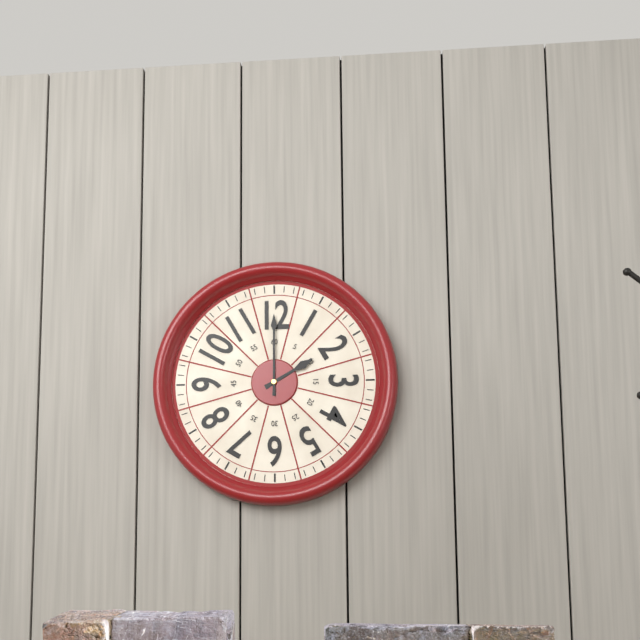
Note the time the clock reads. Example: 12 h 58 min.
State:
2 h 00 min
